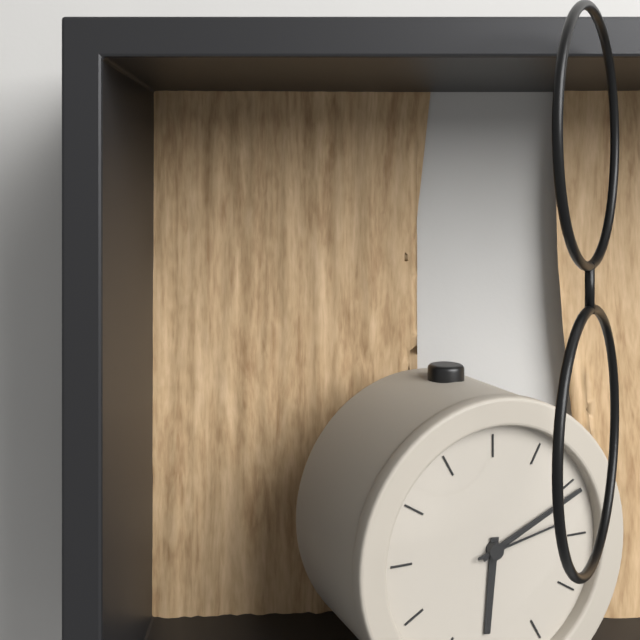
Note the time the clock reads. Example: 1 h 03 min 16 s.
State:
6 h 11 min 13 s
